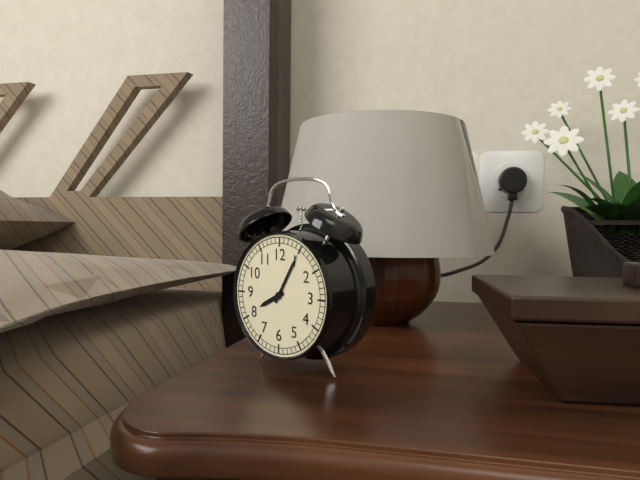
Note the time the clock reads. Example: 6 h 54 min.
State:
8 h 05 min
